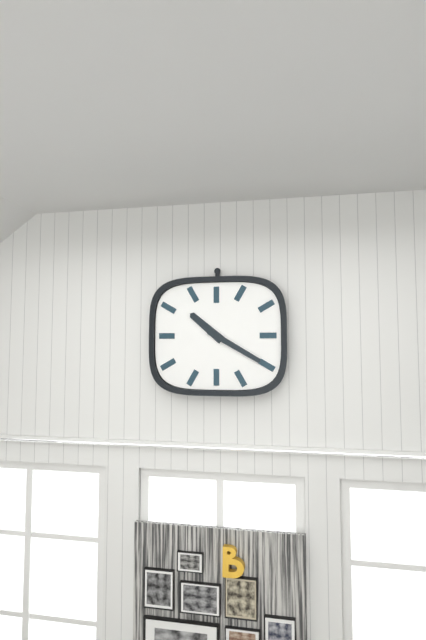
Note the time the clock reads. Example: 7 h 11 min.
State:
10 h 20 min
